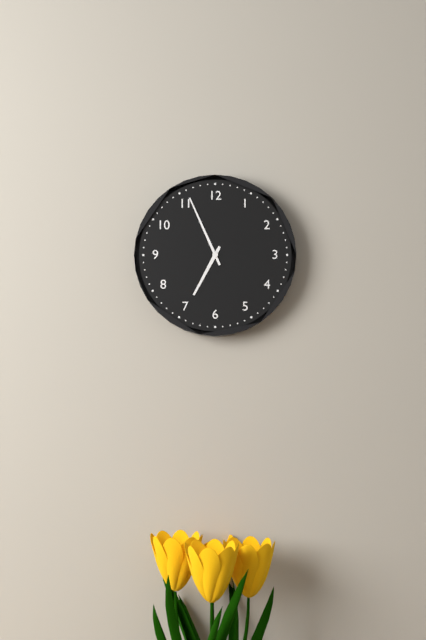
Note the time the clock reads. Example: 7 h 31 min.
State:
6 h 56 min
